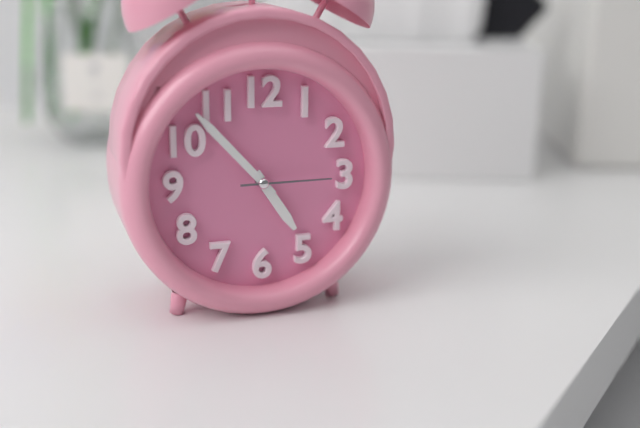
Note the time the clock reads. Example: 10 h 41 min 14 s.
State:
4 h 53 min 15 s
